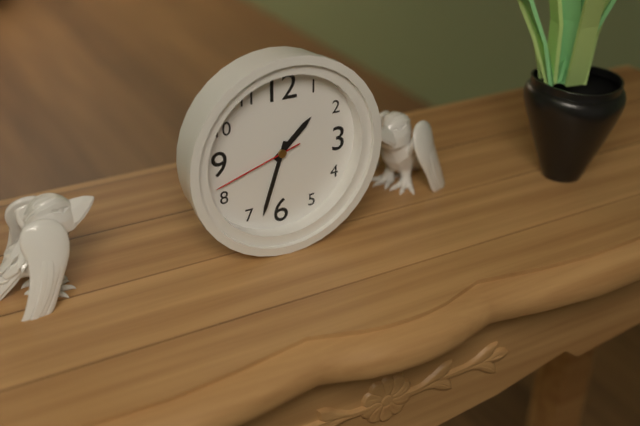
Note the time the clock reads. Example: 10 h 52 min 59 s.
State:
1 h 33 min 42 s
